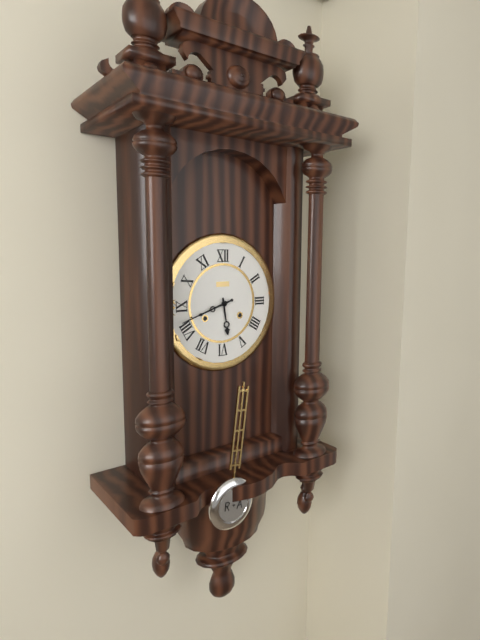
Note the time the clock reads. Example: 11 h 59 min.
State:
5 h 42 min
